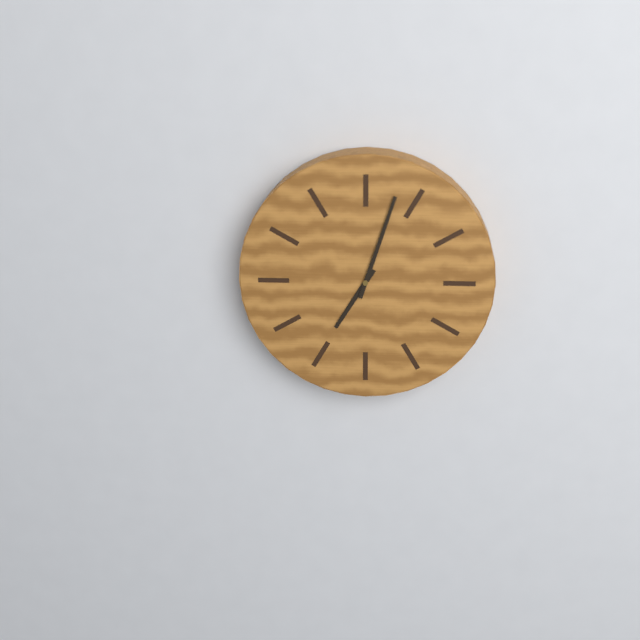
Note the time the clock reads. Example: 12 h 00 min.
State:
7 h 03 min
